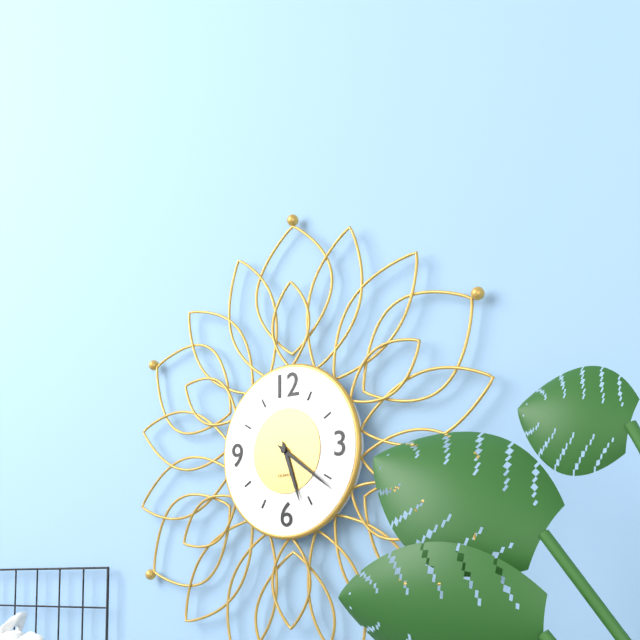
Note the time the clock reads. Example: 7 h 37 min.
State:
5 h 21 min
